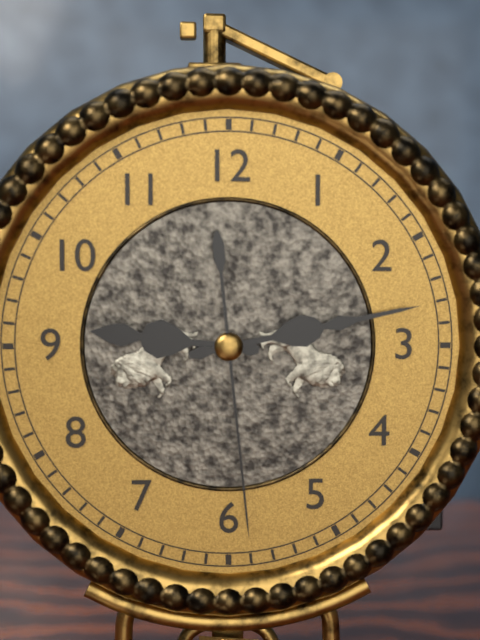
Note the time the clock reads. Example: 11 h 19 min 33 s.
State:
9 h 13 min 29 s
